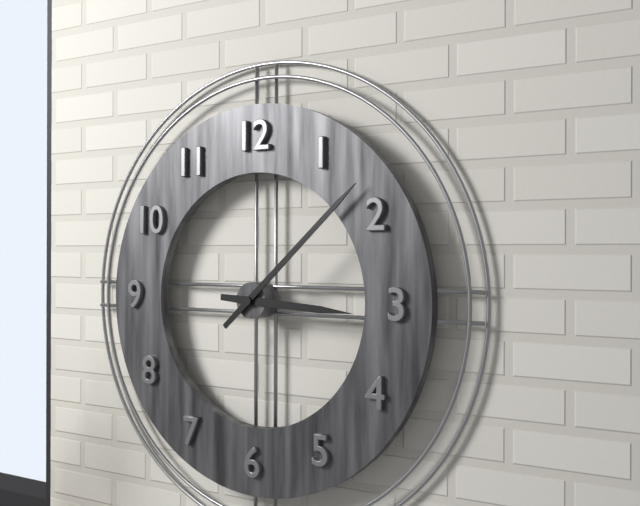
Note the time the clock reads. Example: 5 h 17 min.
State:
3 h 08 min
